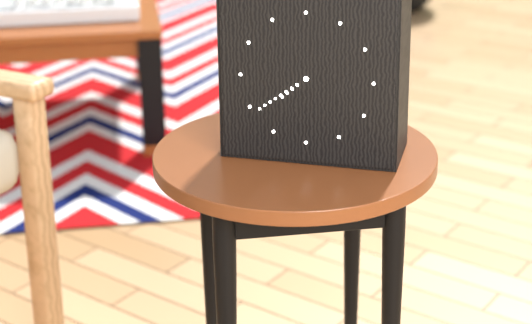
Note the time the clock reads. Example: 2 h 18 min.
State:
7 h 39 min
